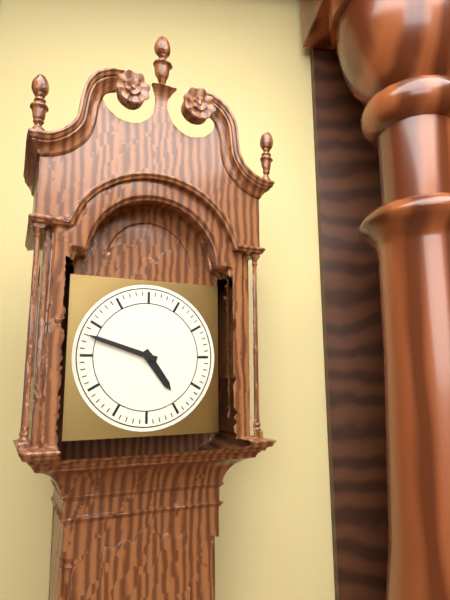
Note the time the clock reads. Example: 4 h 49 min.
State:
4 h 48 min
